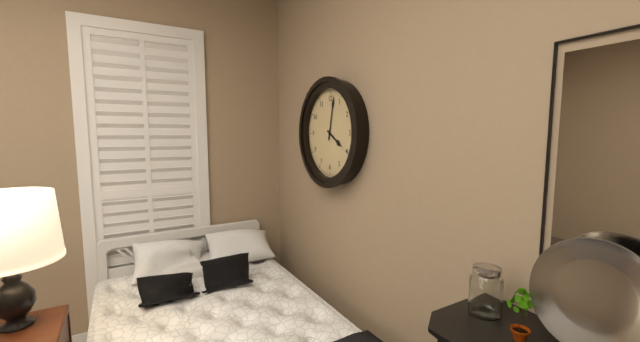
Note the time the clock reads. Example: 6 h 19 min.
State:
4 h 02 min
